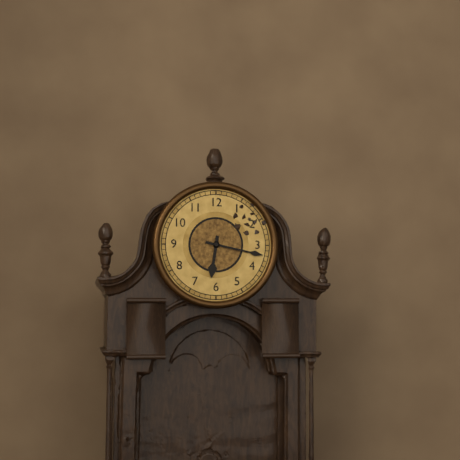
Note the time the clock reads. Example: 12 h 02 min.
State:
6 h 17 min
